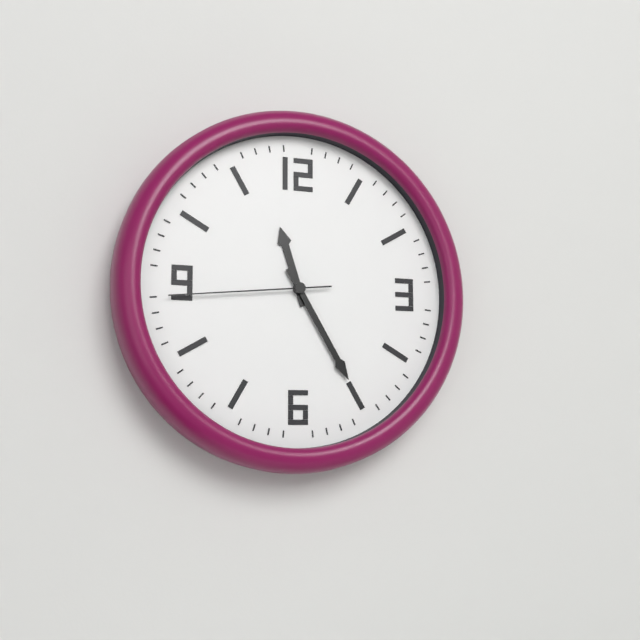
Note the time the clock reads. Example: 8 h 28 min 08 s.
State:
11 h 25 min 44 s
